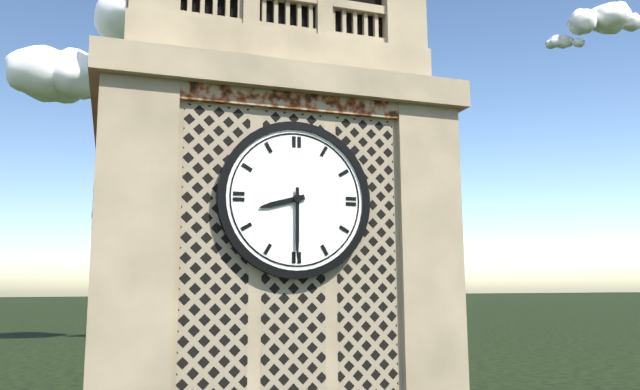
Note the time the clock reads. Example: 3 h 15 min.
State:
8 h 30 min
